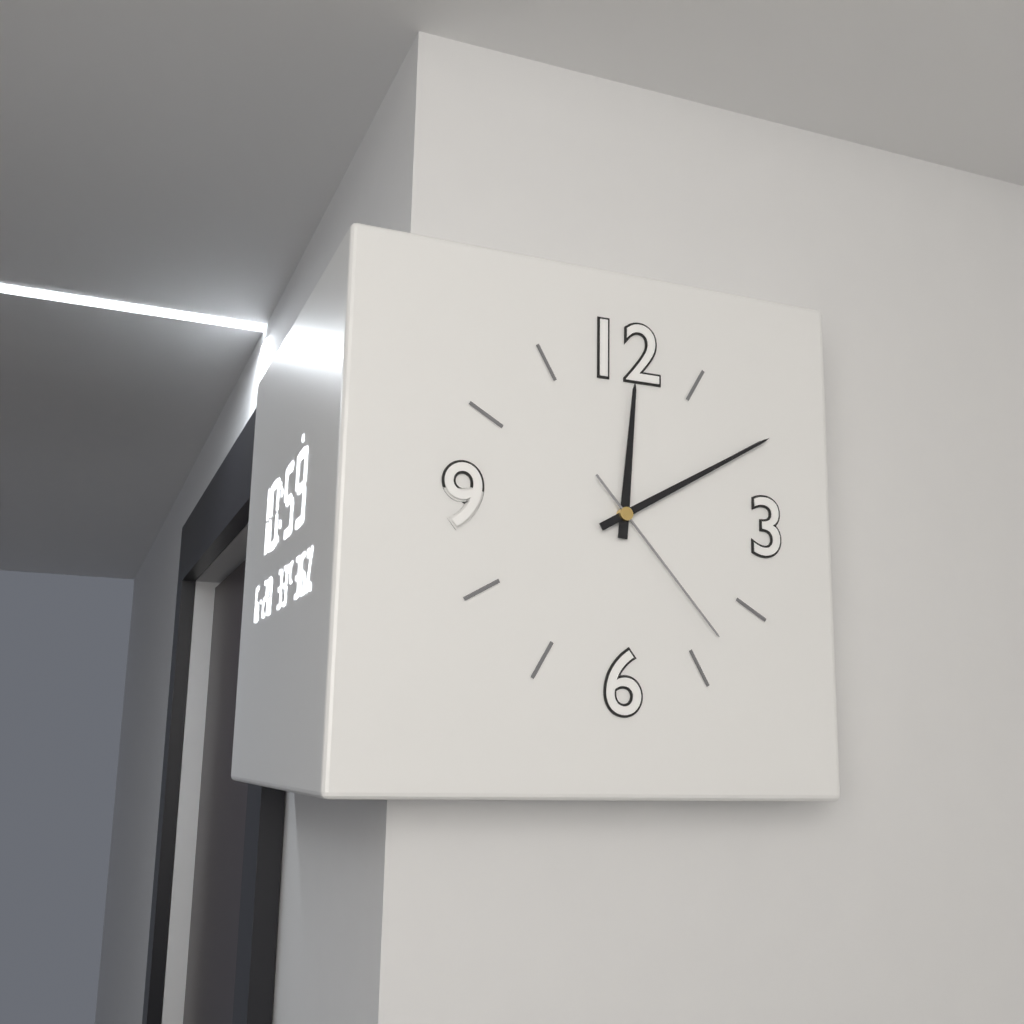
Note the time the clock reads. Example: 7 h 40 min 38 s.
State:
12 h 10 min 23 s
